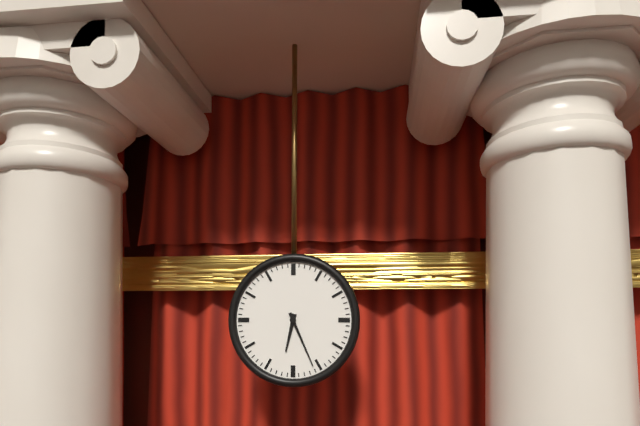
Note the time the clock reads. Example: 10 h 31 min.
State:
6 h 26 min
